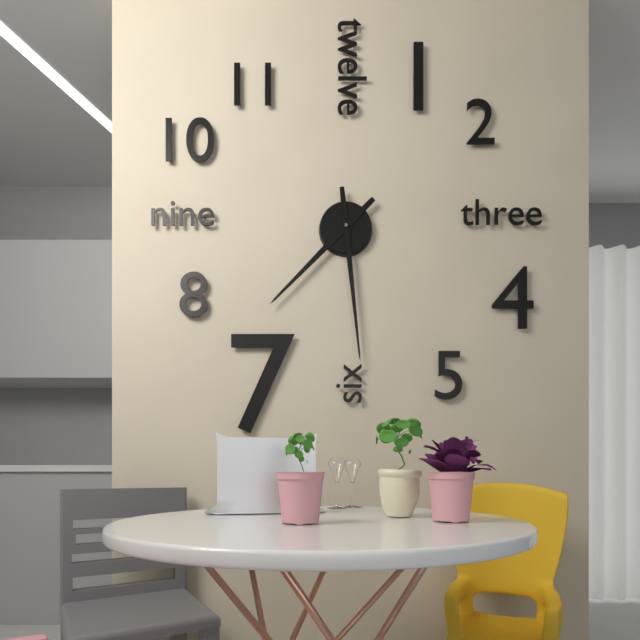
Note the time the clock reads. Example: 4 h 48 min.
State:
7 h 29 min
